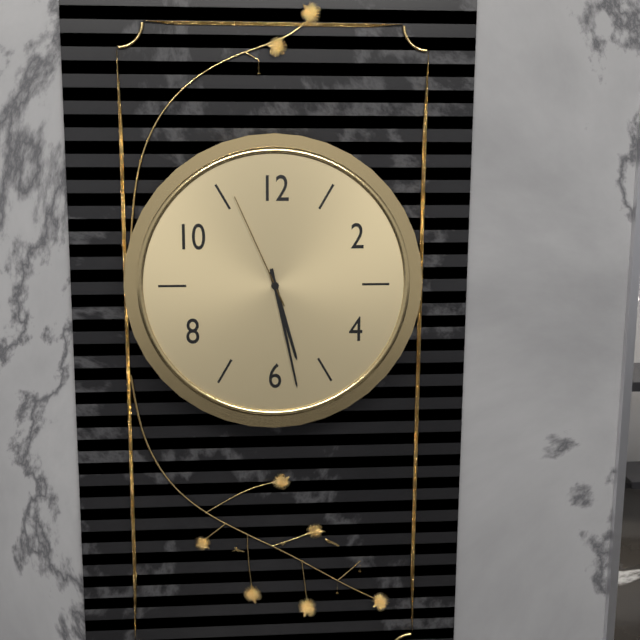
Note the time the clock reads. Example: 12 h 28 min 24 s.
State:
5 h 28 min 56 s
